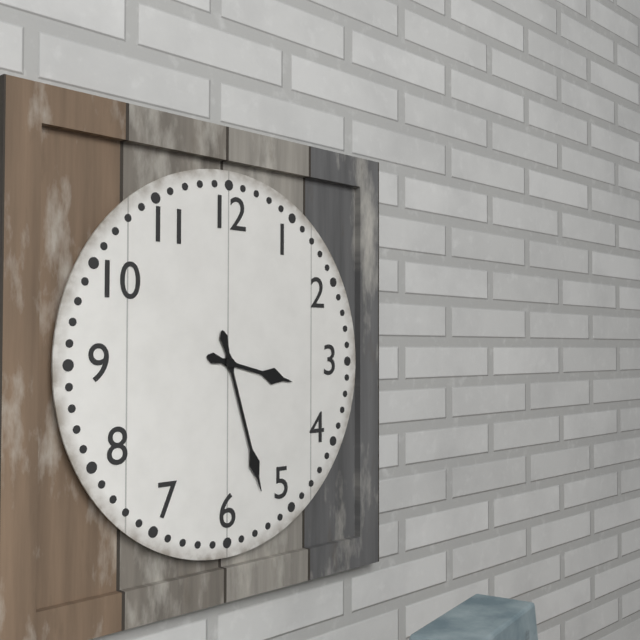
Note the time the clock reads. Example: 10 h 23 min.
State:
3 h 27 min
